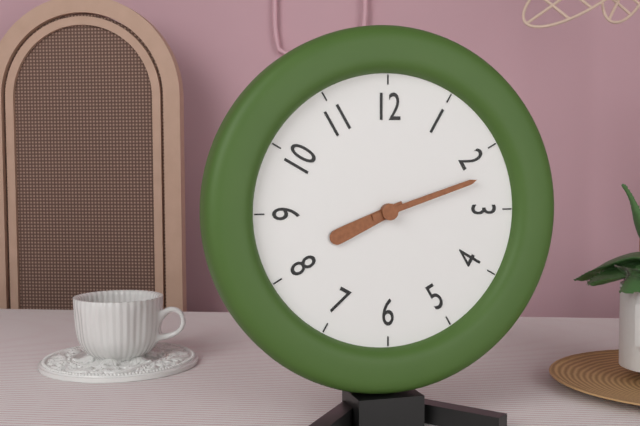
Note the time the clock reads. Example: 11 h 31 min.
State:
8 h 12 min
